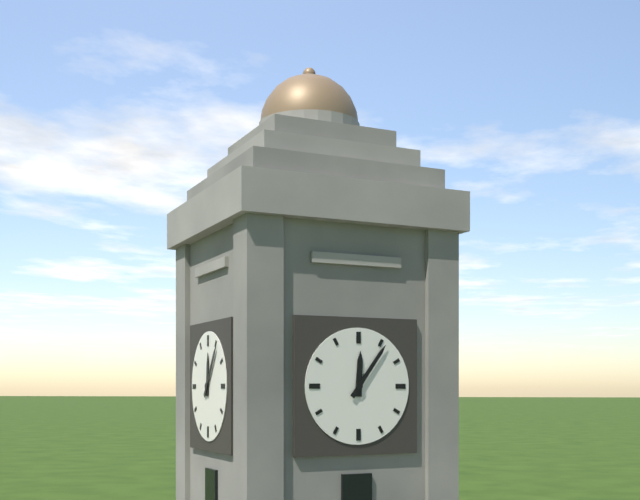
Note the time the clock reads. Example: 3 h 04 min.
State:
12 h 06 min
